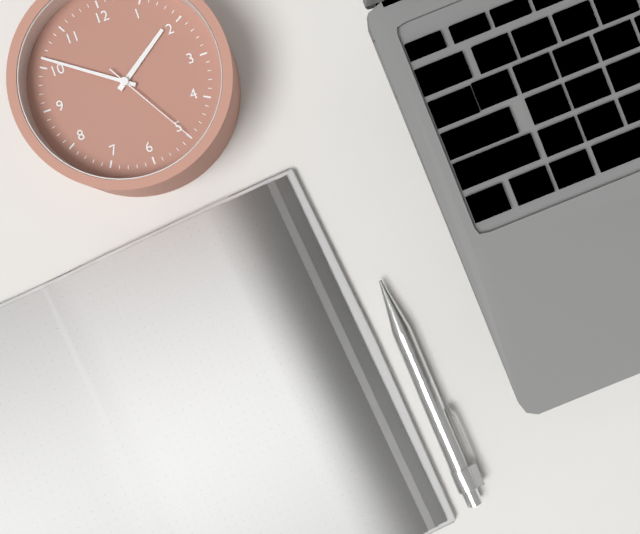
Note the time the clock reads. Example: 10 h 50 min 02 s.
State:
1 h 51 min 25 s
